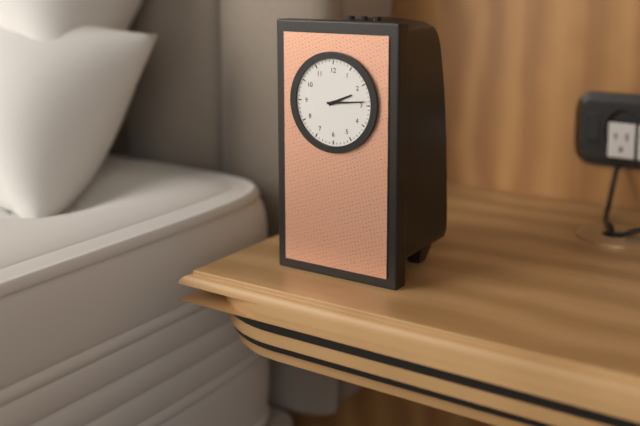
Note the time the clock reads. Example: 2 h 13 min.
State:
2 h 14 min
